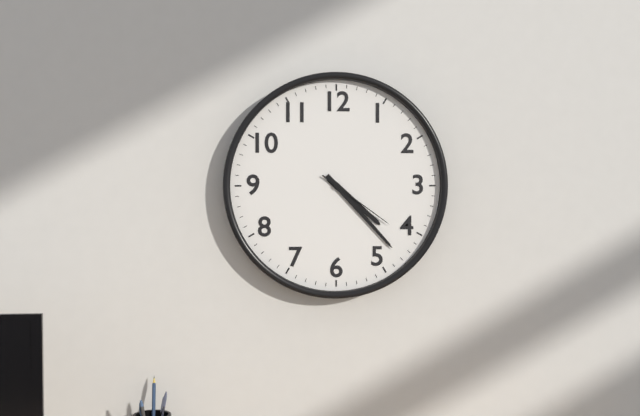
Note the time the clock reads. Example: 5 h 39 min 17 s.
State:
4 h 23 min 21 s
